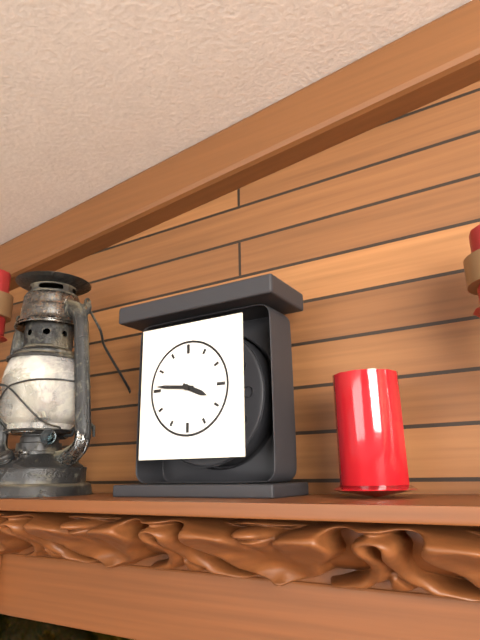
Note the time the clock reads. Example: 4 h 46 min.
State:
3 h 46 min
